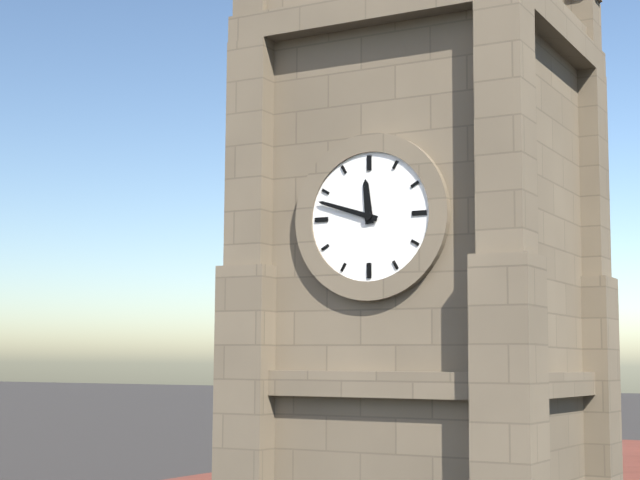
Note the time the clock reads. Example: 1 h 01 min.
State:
11 h 48 min
